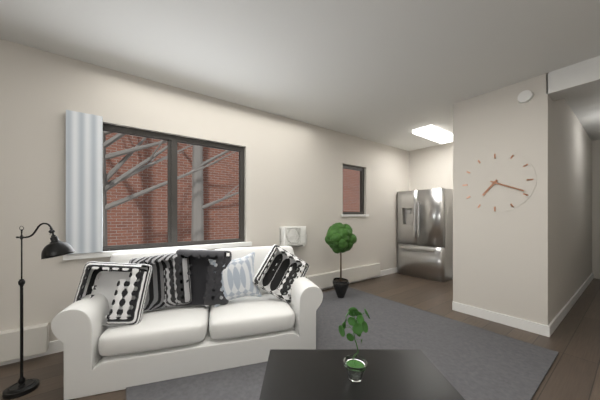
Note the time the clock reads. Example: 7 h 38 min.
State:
7 h 19 min
